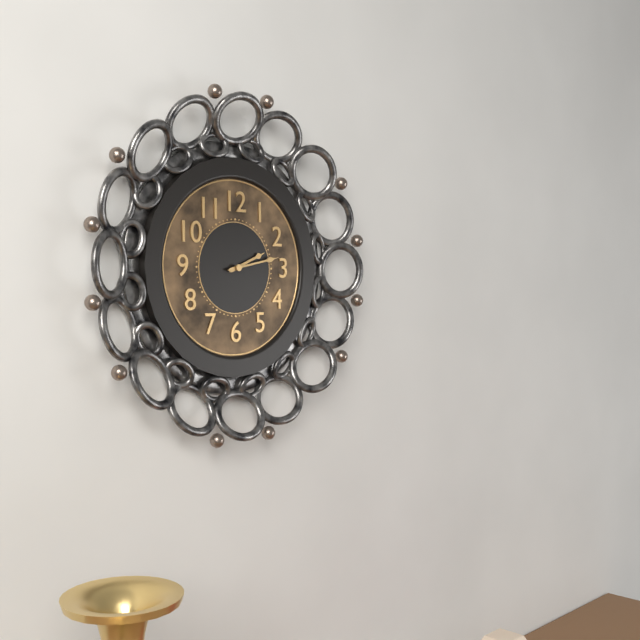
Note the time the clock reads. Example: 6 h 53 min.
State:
2 h 13 min
